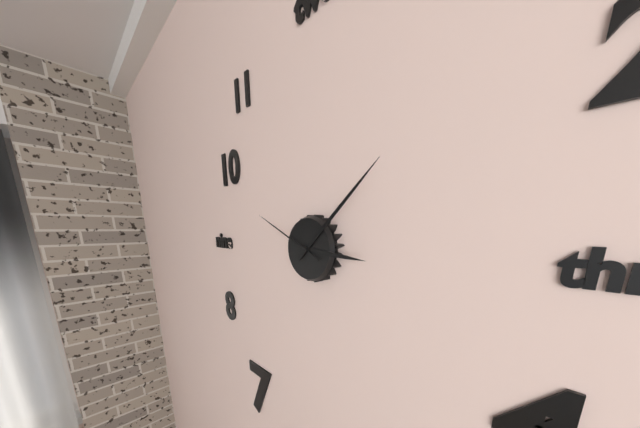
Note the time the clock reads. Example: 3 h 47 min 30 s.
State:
3 h 08 min 49 s
